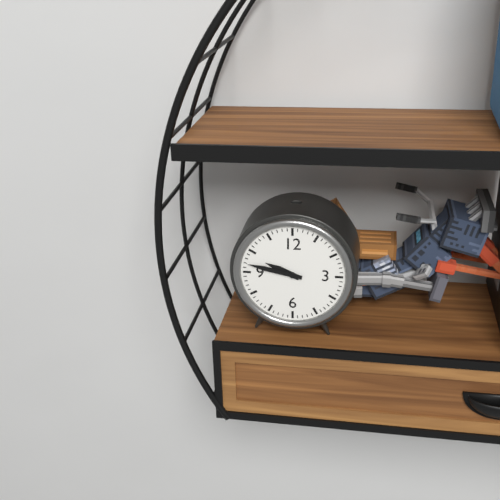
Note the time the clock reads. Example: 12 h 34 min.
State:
9 h 47 min
